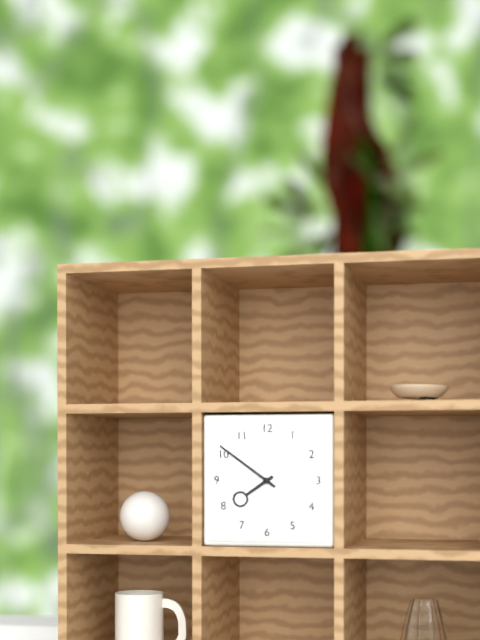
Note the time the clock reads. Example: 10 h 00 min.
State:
7 h 51 min
